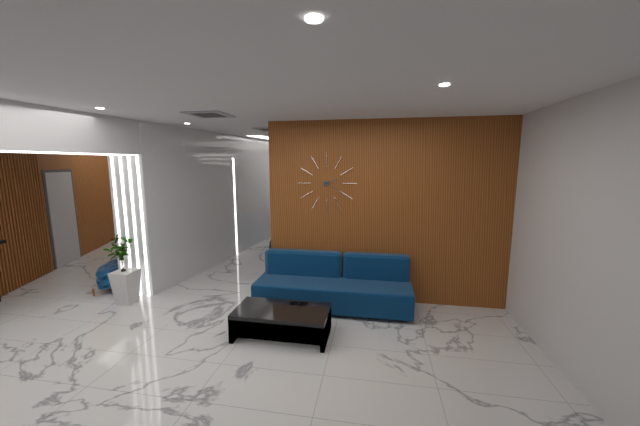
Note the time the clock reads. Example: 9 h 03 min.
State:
2 h 20 min
